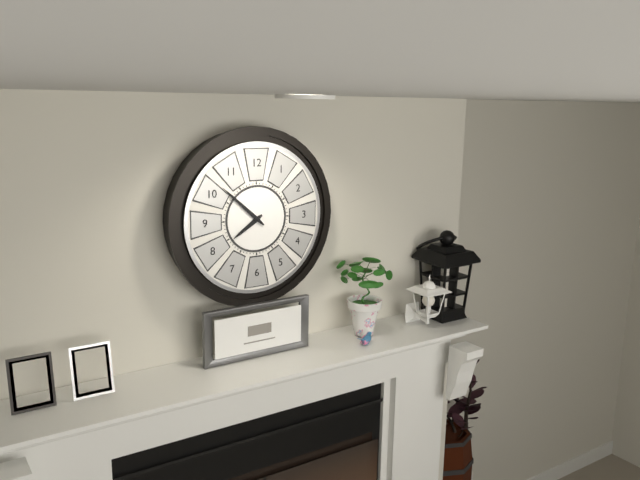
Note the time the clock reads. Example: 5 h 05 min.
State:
7 h 52 min
